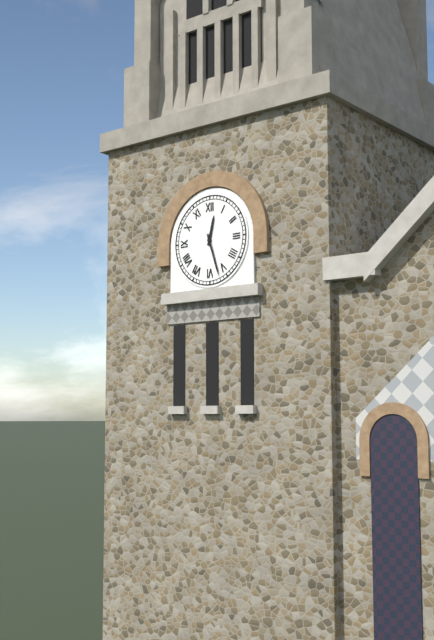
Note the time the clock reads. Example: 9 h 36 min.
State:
12 h 27 min
